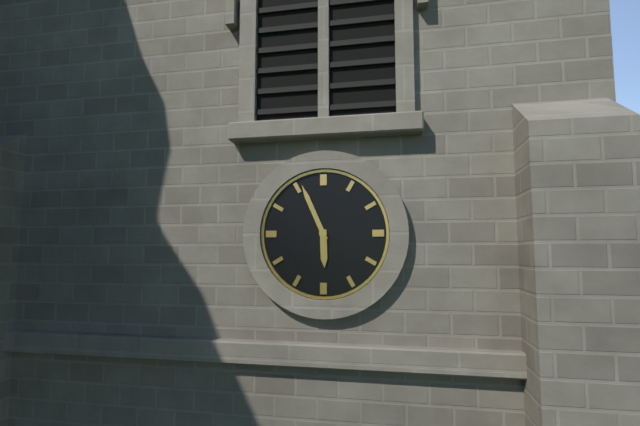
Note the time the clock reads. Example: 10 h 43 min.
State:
5 h 56 min
